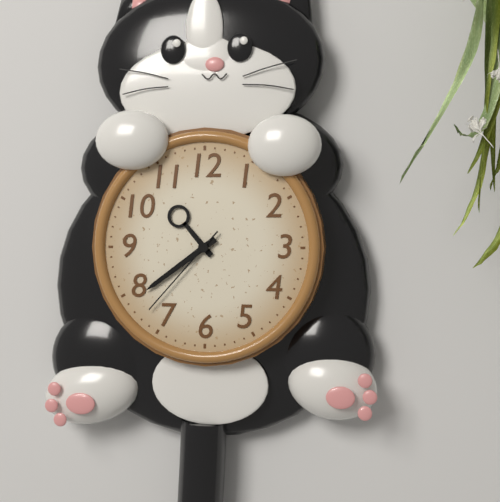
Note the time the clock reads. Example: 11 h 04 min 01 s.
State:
10 h 39 min 37 s
